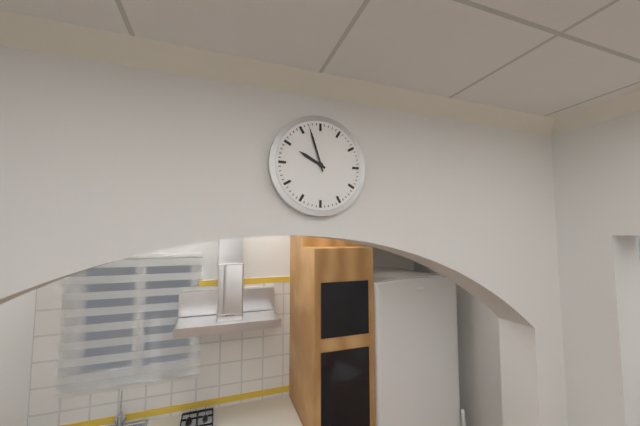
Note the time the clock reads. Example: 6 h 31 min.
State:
9 h 57 min
